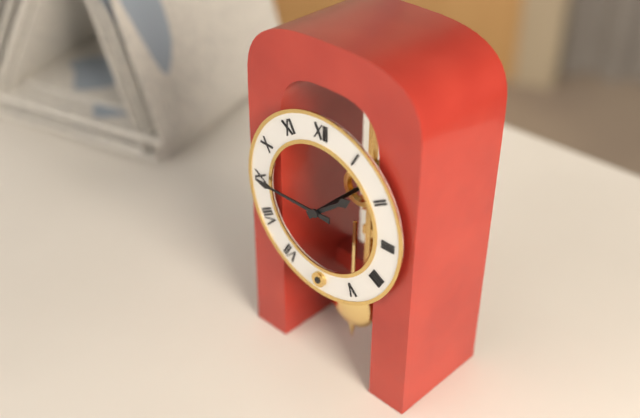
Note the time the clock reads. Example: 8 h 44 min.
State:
1 h 45 min
